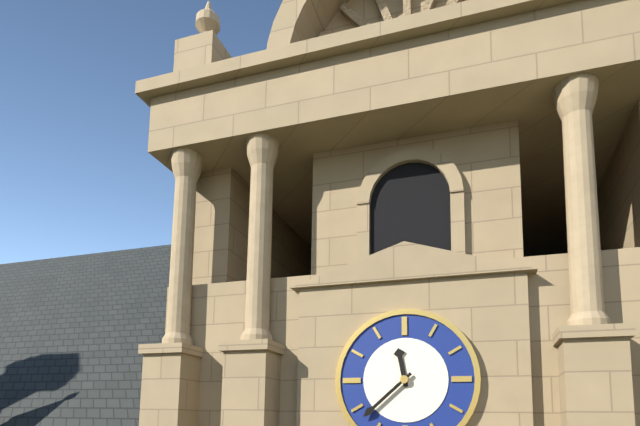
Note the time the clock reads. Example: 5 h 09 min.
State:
11 h 38 min
